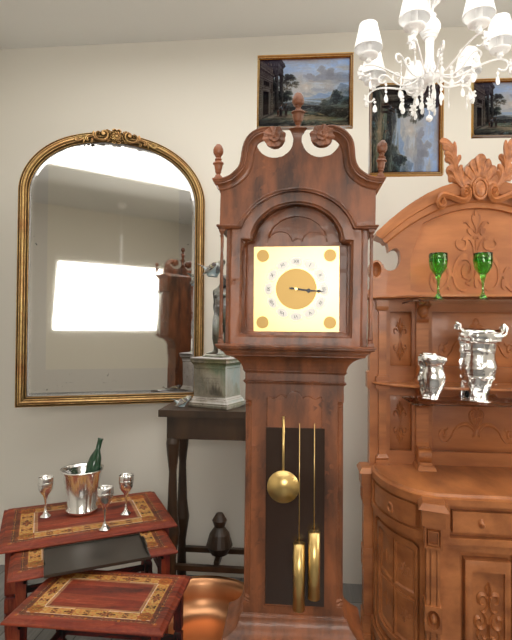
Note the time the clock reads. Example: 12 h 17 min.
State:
3 h 16 min
